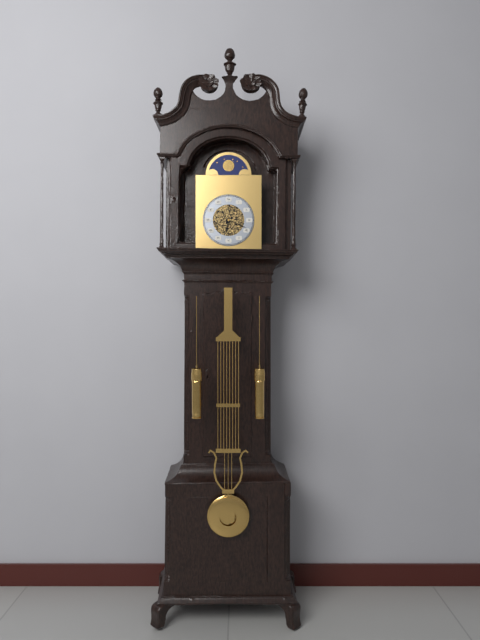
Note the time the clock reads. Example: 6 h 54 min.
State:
6 h 19 min
